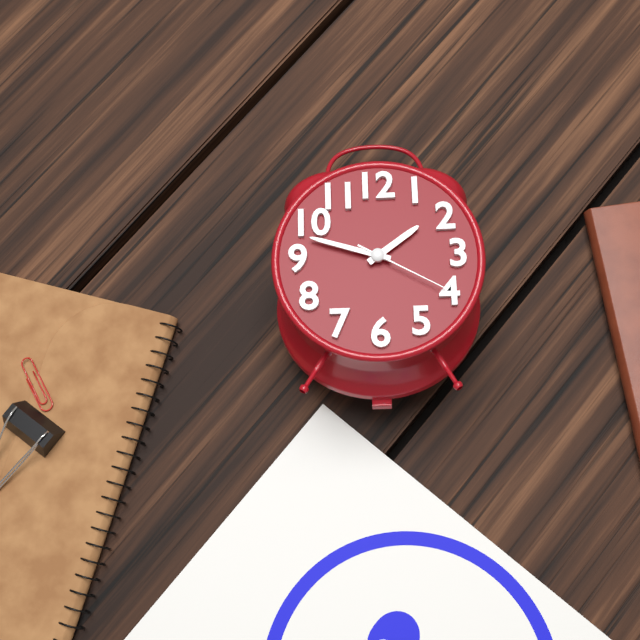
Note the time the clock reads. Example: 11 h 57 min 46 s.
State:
1 h 48 min 20 s
